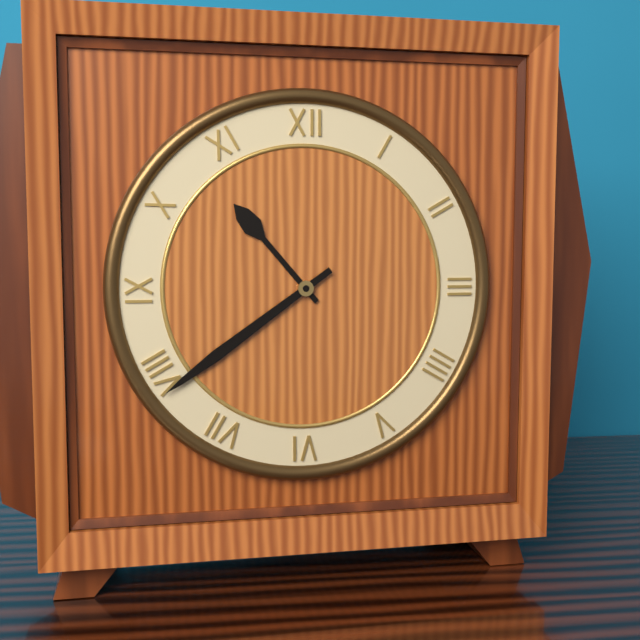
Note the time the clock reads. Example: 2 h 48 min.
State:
10 h 39 min
